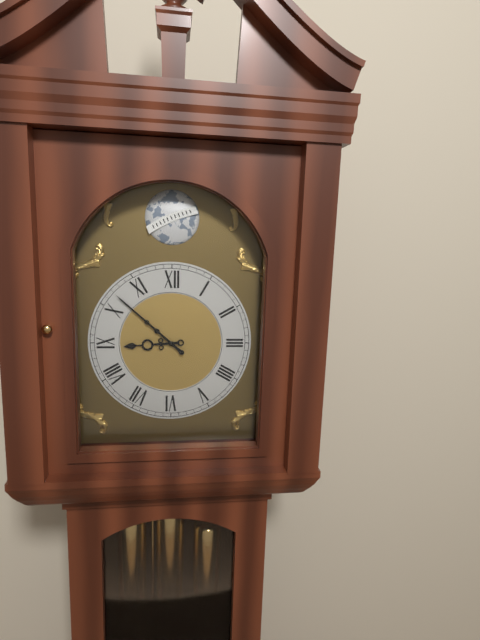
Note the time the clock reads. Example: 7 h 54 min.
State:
8 h 52 min
